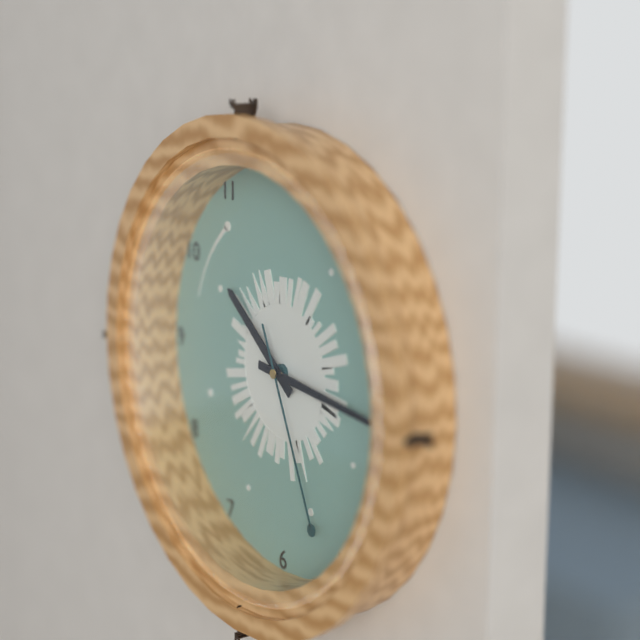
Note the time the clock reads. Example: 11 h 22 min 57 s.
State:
10 h 16 min 26 s
